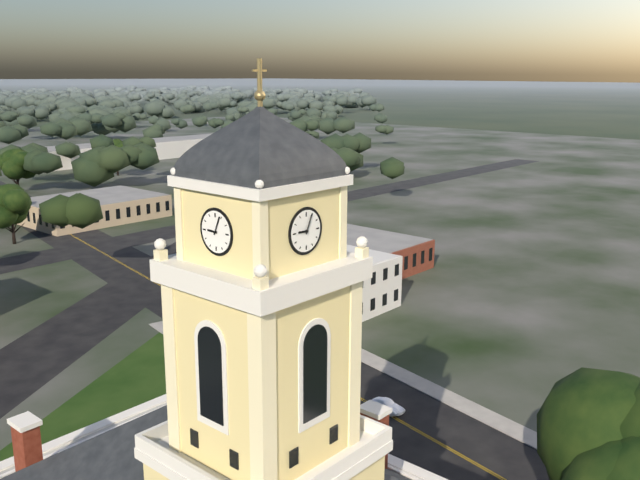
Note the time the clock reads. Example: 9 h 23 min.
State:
9 h 04 min
